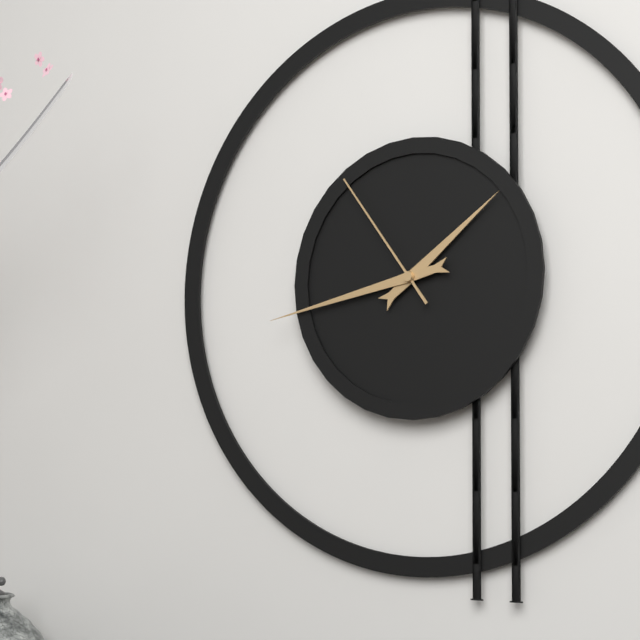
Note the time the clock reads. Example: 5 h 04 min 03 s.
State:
1 h 43 min 54 s
